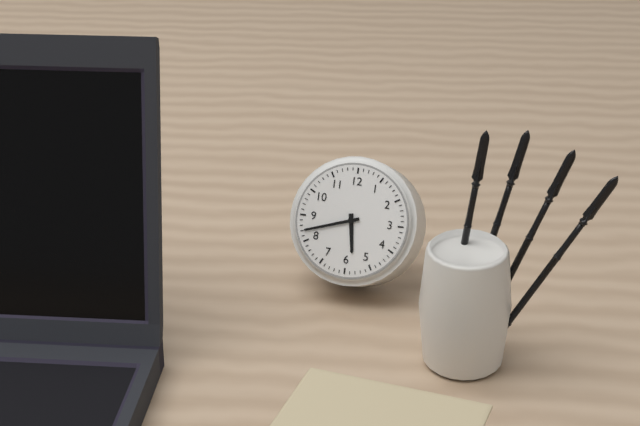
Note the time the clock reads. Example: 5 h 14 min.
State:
5 h 42 min
